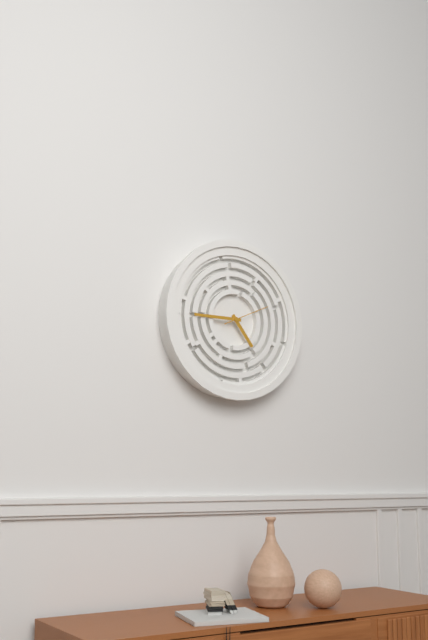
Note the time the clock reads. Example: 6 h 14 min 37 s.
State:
4 h 45 min 11 s
